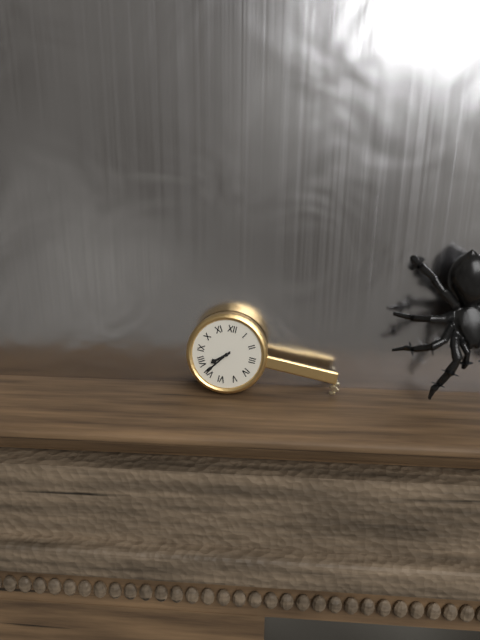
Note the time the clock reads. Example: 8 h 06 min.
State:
7 h 36 min
